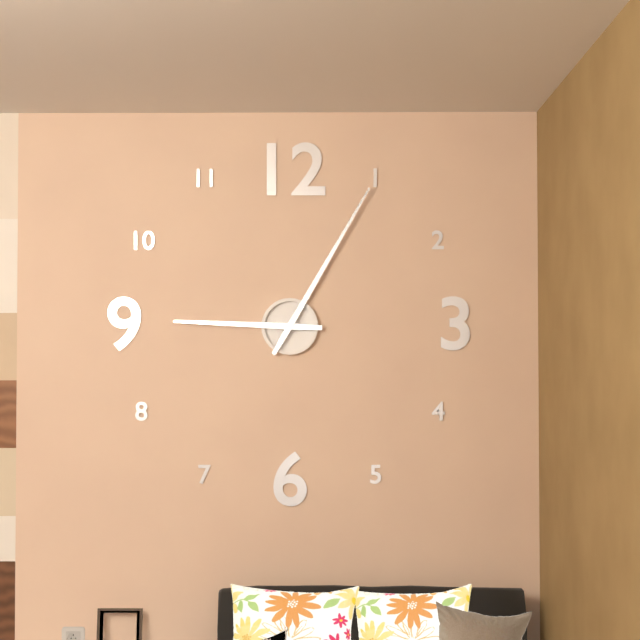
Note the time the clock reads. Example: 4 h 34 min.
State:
9 h 05 min
